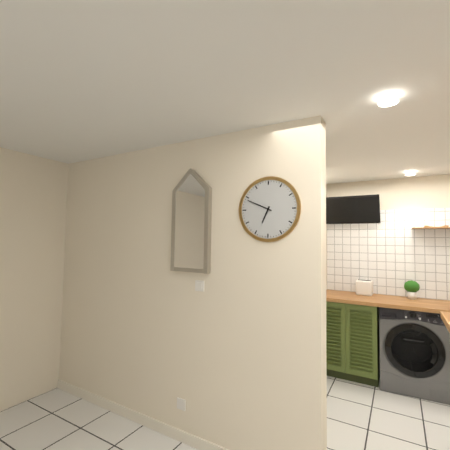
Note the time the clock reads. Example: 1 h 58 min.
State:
6 h 49 min
